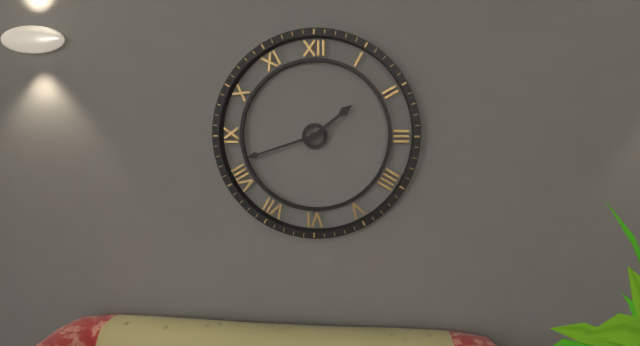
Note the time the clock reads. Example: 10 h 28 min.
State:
1 h 42 min
